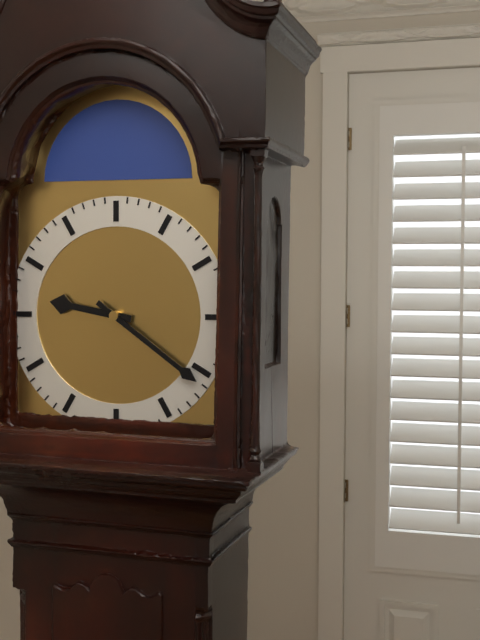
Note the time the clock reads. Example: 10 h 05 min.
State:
9 h 21 min
